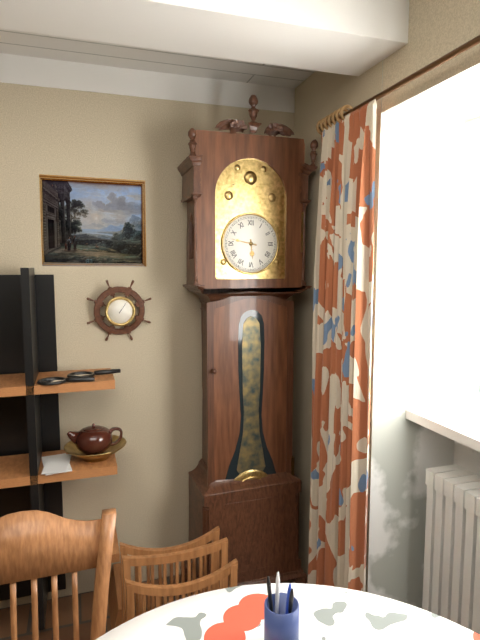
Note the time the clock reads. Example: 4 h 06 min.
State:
5 h 47 min
